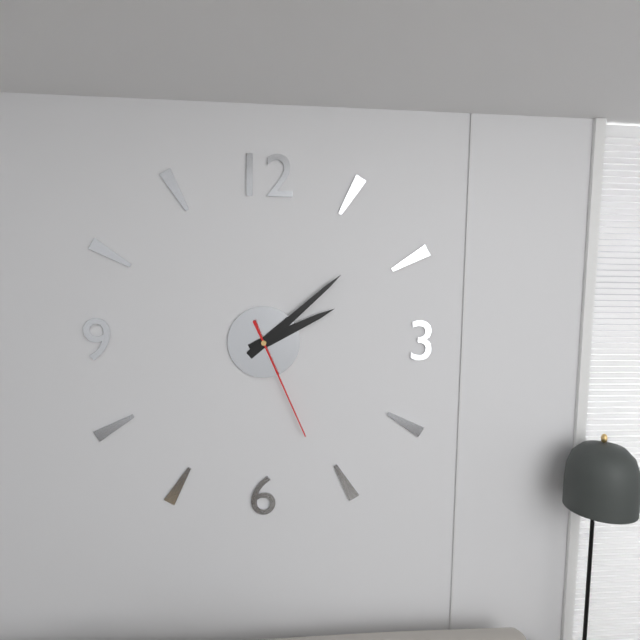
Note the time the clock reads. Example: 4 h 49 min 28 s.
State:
2 h 08 min 26 s
